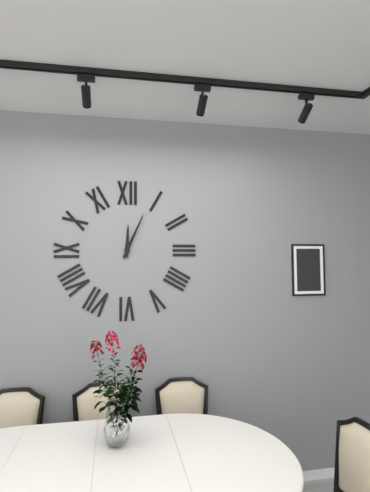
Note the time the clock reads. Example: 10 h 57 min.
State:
12 h 04 min
